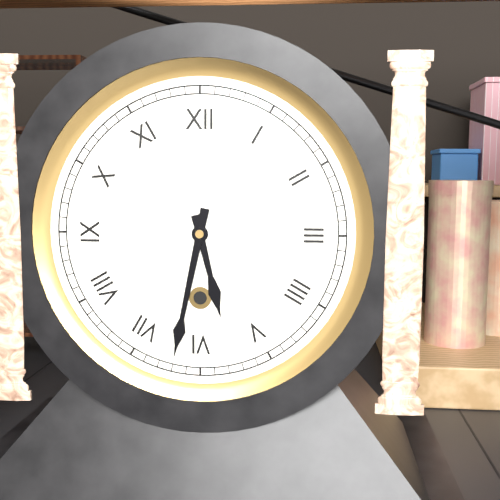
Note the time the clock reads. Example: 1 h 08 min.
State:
5 h 32 min
